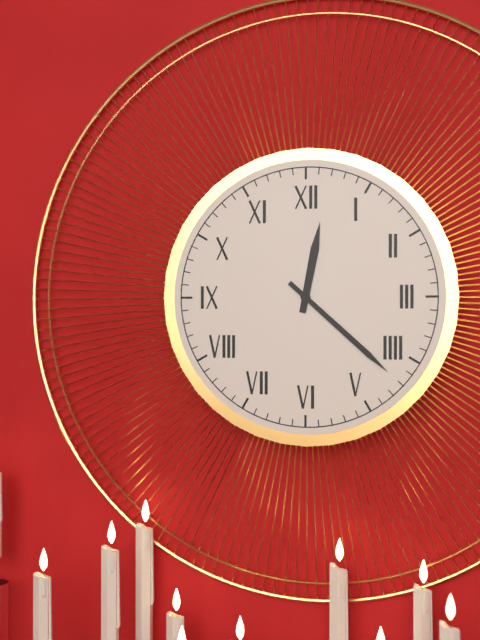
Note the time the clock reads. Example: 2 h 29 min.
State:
12 h 22 min
